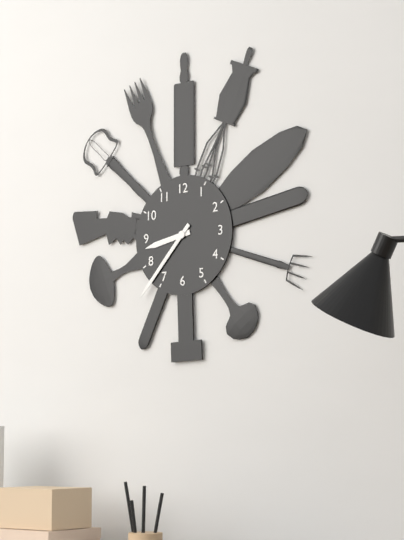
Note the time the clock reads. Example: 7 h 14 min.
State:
8 h 37 min
